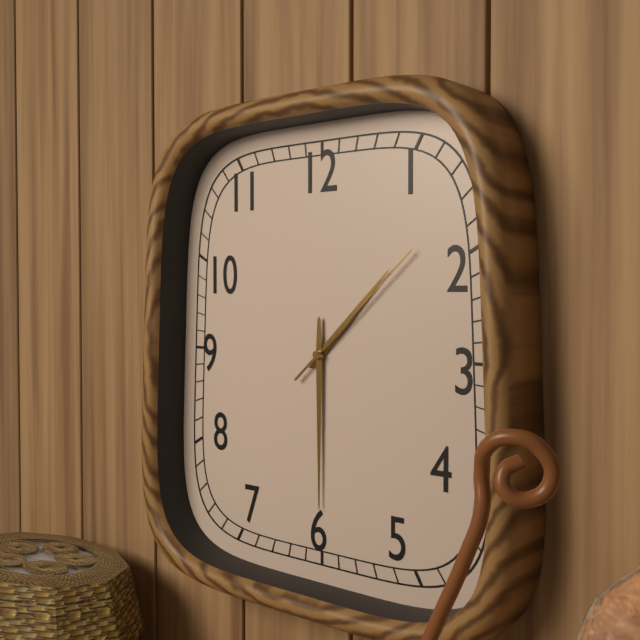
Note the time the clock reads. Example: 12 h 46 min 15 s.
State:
1 h 30 min 08 s
